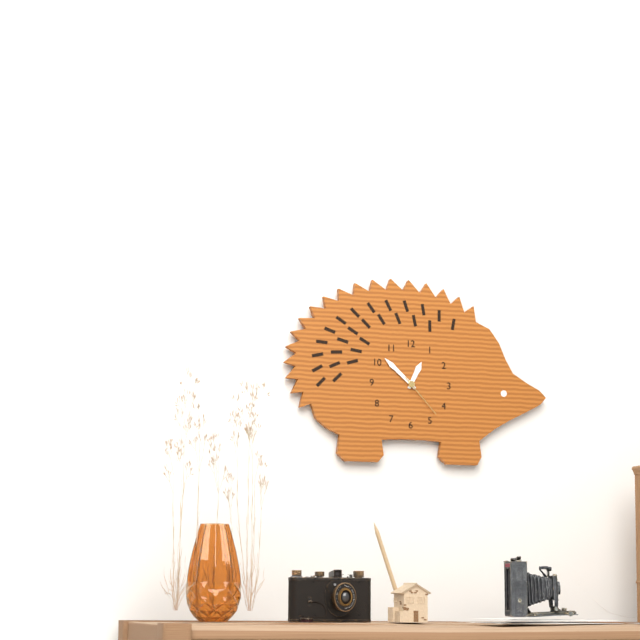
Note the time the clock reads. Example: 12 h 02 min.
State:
12 h 52 min
